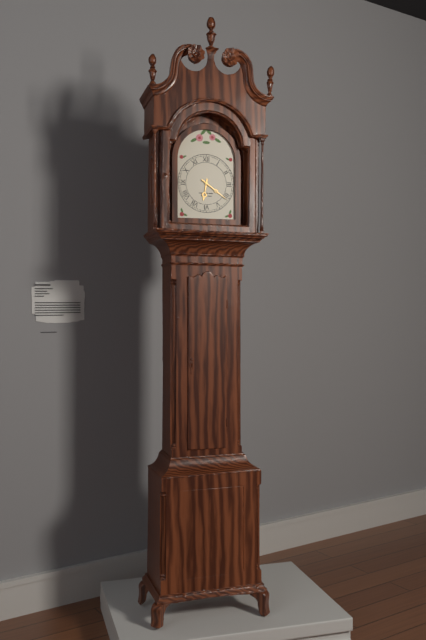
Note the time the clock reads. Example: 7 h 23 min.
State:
6 h 21 min
